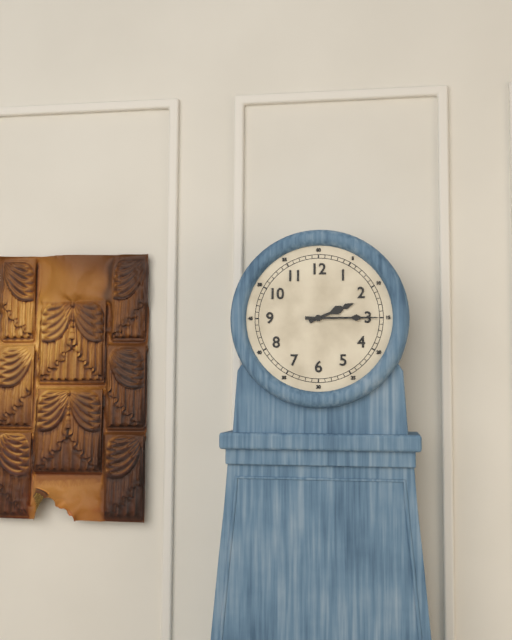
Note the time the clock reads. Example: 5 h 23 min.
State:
2 h 15 min
